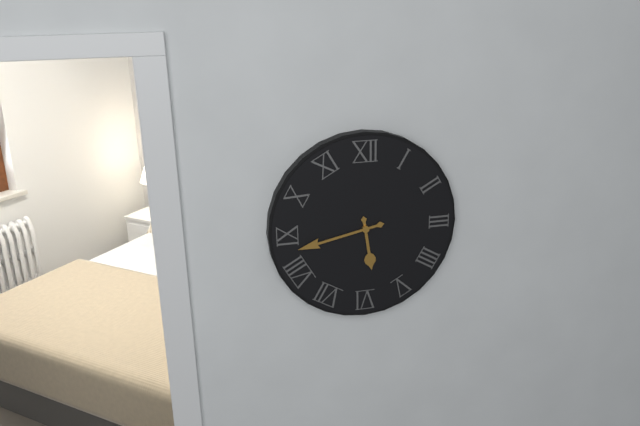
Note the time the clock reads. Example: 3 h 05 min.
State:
5 h 43 min
